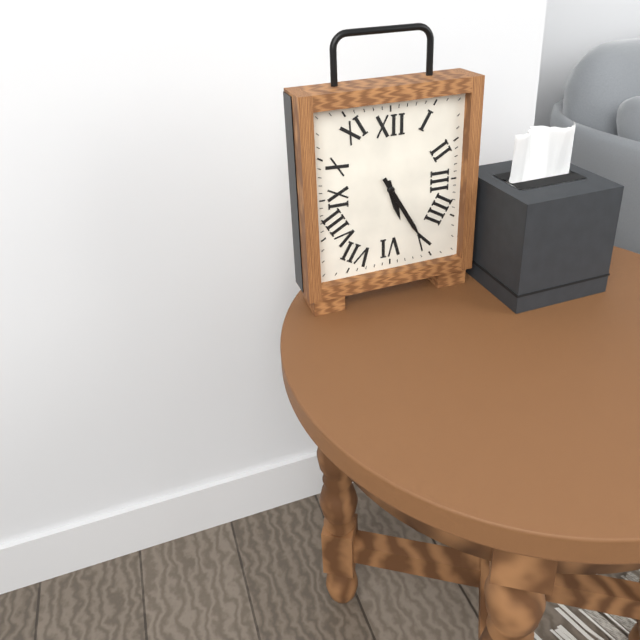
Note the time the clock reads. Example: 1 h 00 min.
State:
5 h 25 min
